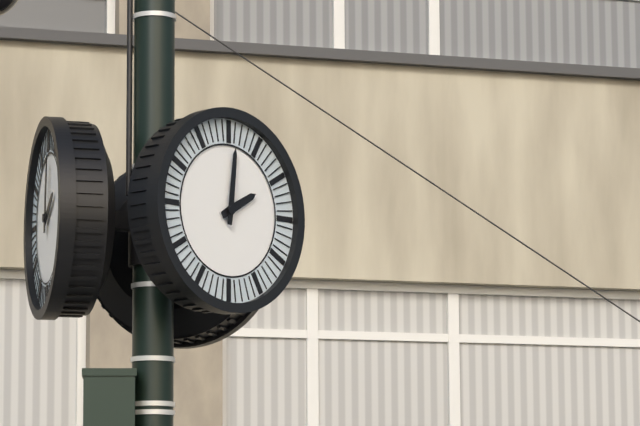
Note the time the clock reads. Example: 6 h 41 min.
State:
2 h 01 min
